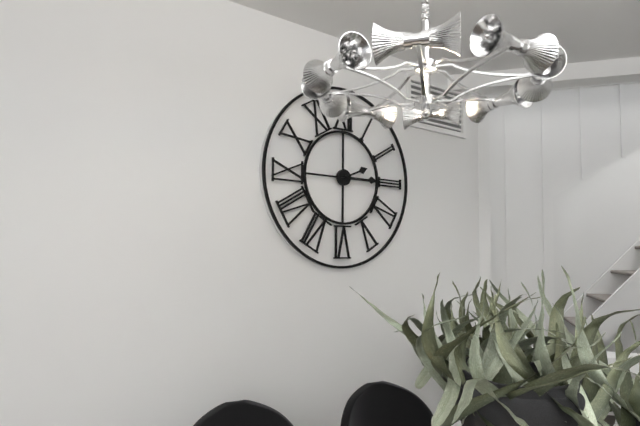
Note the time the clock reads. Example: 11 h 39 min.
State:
2 h 15 min
